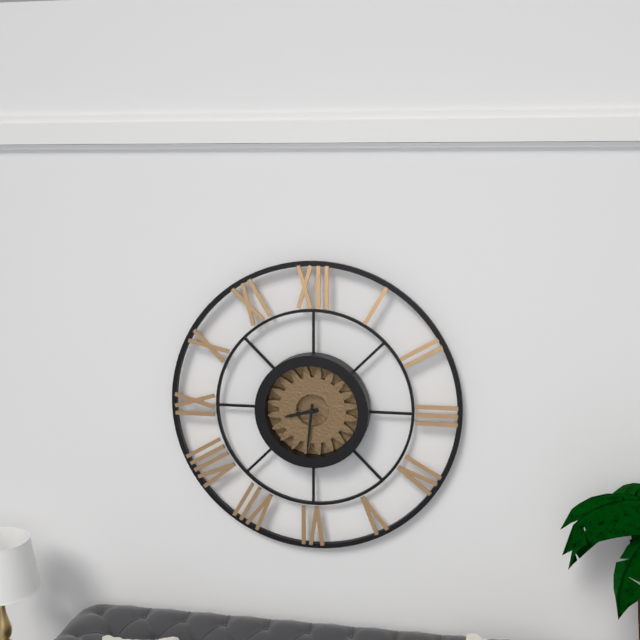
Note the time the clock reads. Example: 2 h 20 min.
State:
8 h 31 min
